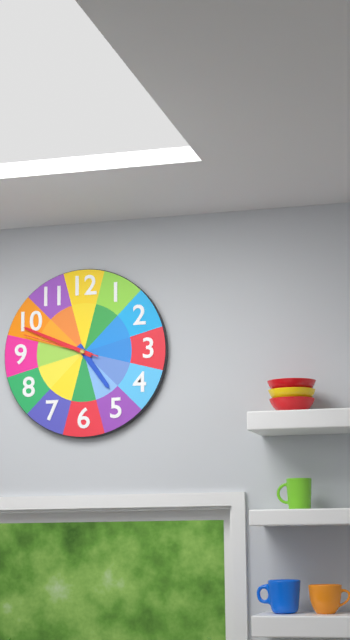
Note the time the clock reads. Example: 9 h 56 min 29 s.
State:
4 h 49 min 48 s
